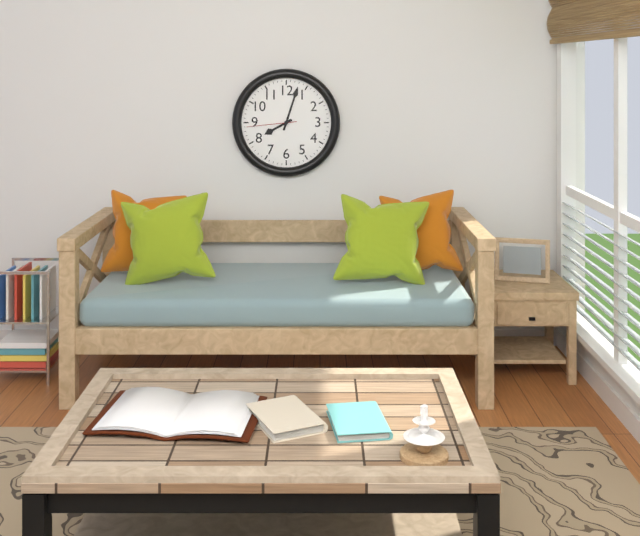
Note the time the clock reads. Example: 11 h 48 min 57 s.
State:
8 h 03 min 44 s
